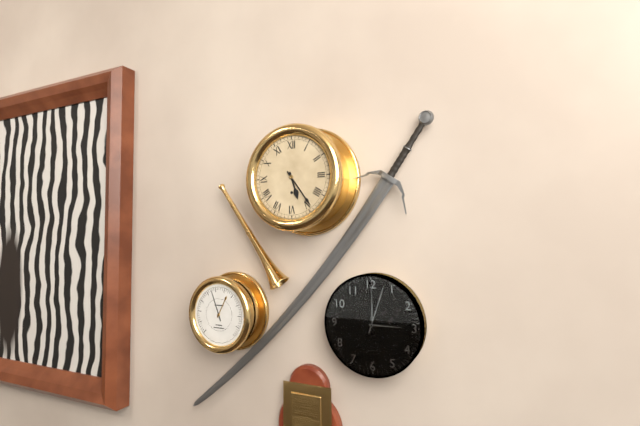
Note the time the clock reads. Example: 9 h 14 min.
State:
5 h 24 min
